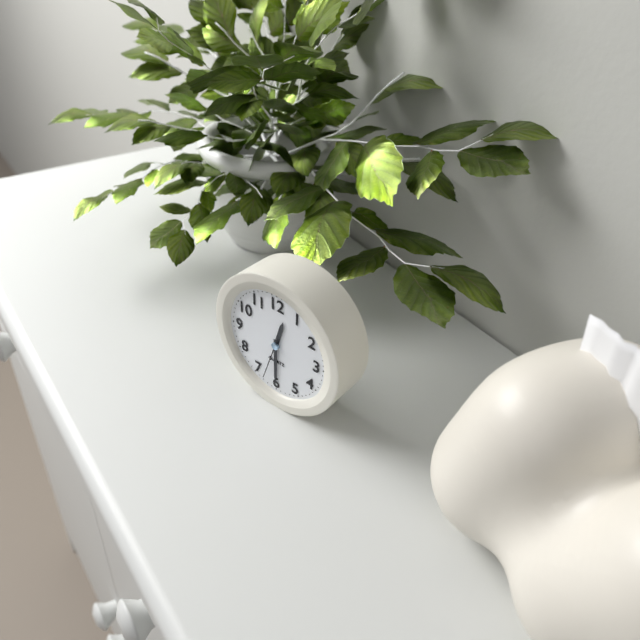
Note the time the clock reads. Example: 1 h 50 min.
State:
12 h 30 min
